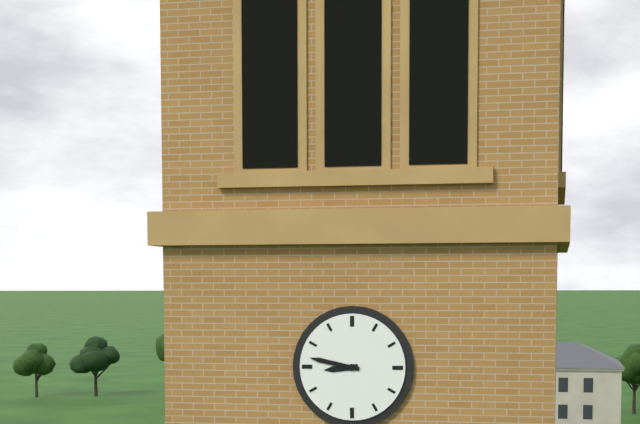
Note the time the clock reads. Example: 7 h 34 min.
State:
8 h 47 min
